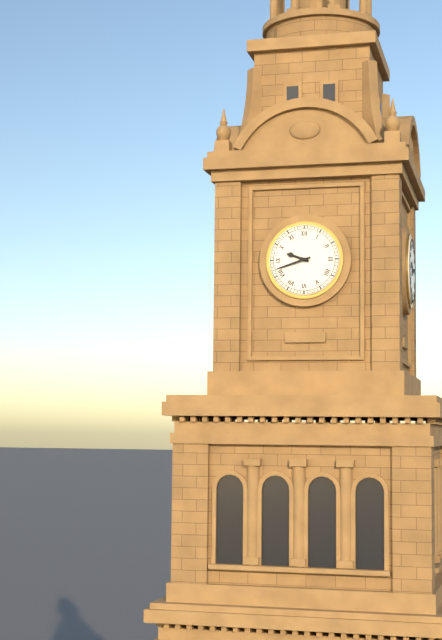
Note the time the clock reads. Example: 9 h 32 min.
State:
9 h 42 min
